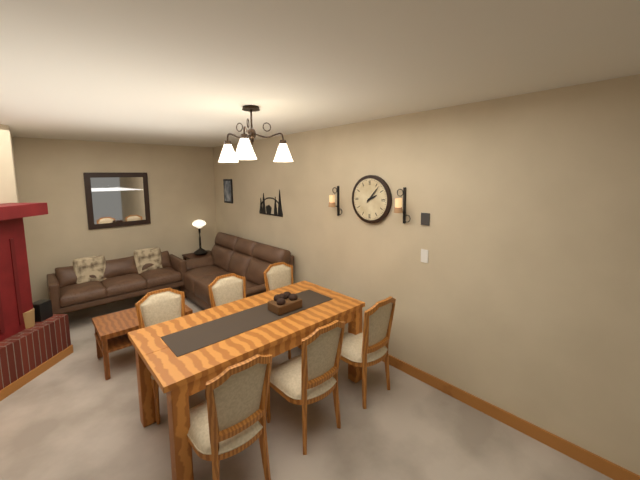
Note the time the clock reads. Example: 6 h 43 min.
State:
2 h 07 min
